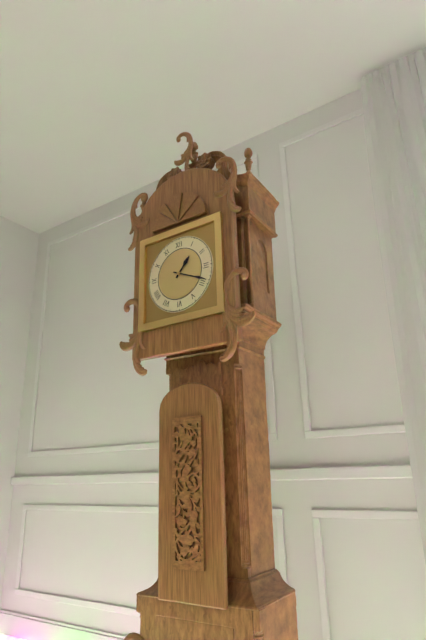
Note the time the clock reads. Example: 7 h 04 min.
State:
1 h 19 min
